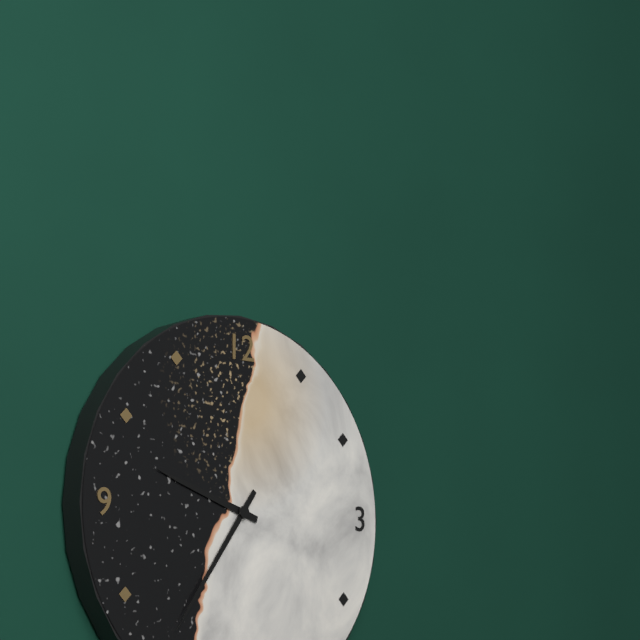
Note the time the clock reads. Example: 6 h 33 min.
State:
9 h 36 min
